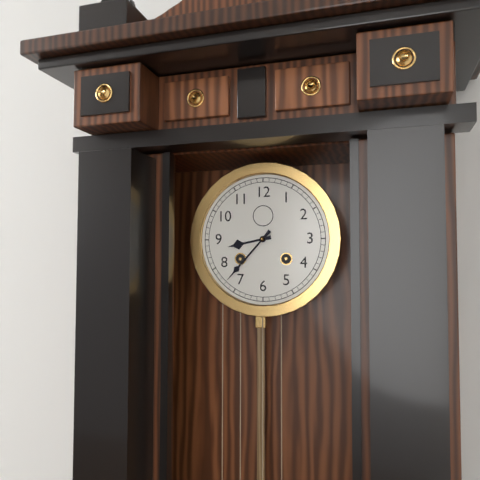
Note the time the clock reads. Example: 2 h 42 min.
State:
8 h 37 min
